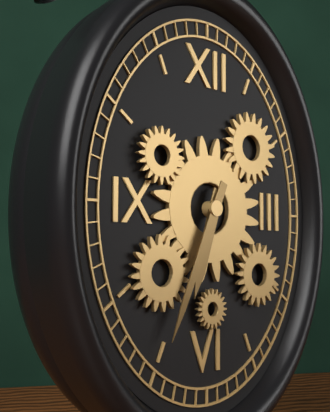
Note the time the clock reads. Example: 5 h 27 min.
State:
6 h 34 min
